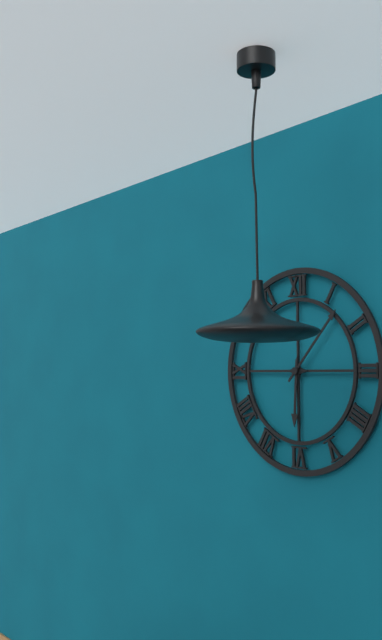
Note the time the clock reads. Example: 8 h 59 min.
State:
6 h 07 min
